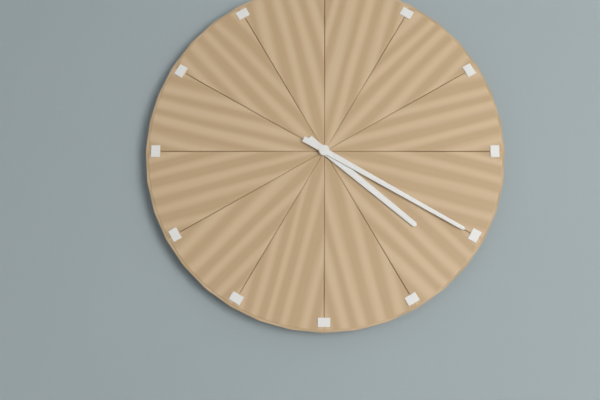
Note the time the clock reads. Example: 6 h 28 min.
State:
4 h 20 min
